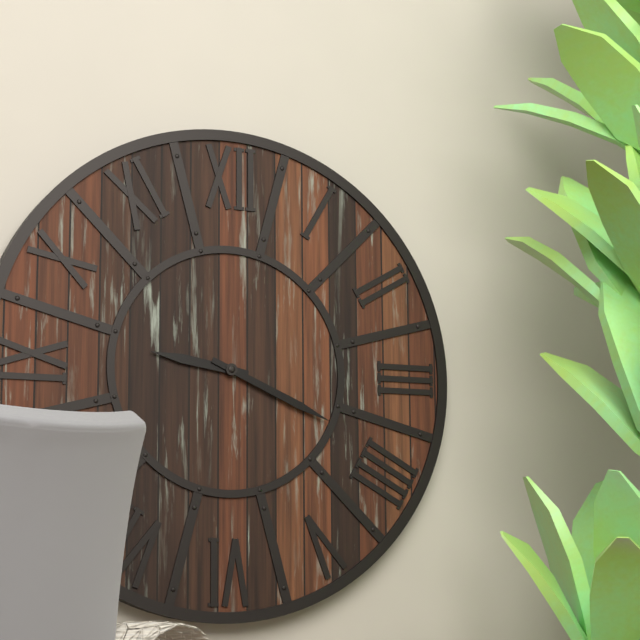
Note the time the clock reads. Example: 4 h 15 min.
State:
9 h 19 min
